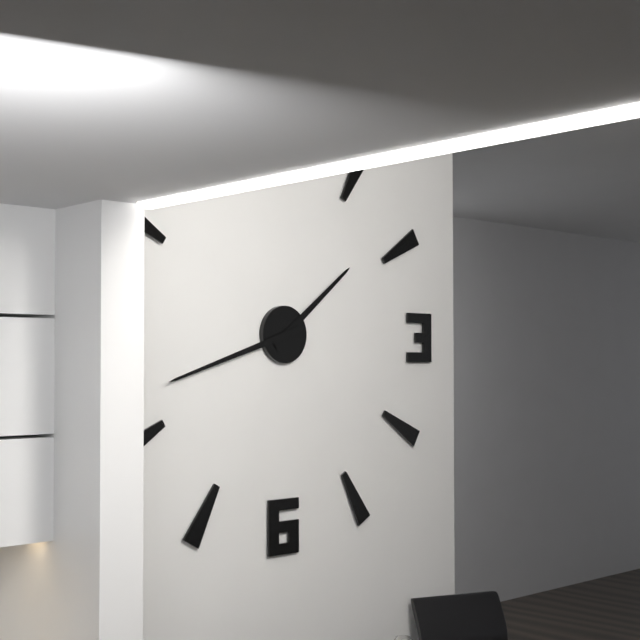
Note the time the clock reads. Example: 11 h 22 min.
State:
1 h 42 min
